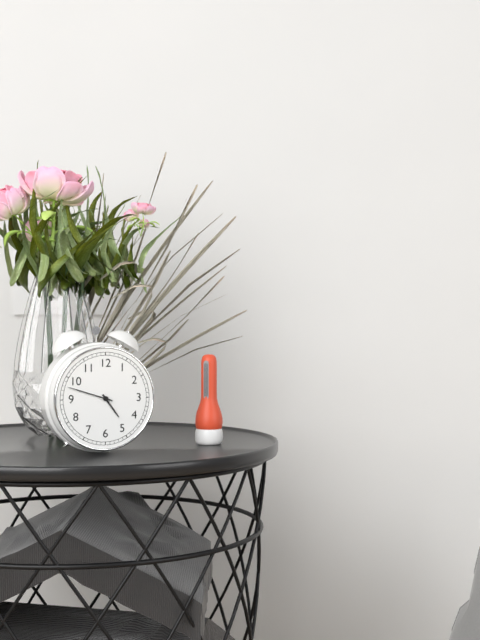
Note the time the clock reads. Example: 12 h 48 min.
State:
4 h 48 min
